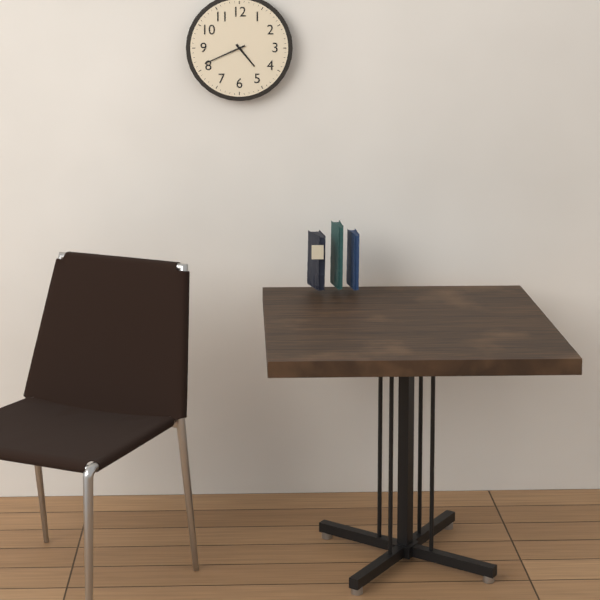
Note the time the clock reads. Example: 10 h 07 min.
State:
4 h 41 min
